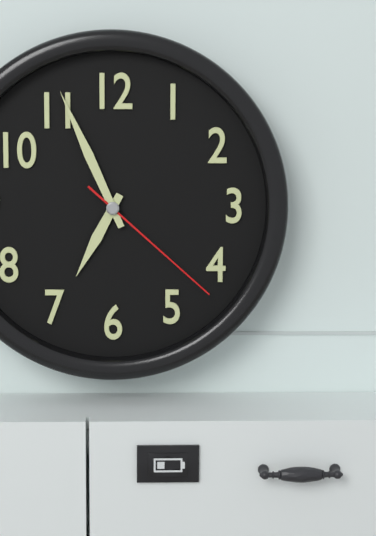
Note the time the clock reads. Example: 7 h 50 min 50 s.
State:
6 h 56 min 22 s
